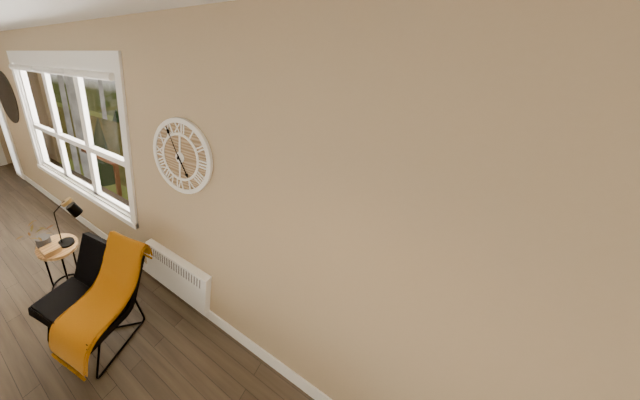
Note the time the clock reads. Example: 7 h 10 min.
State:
4 h 55 min
